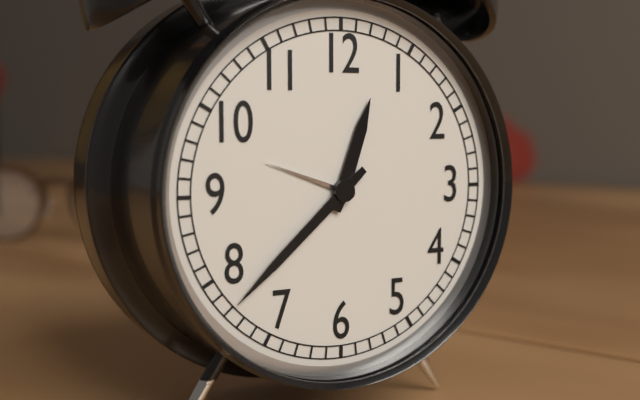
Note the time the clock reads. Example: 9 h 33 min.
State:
12 h 38 min
